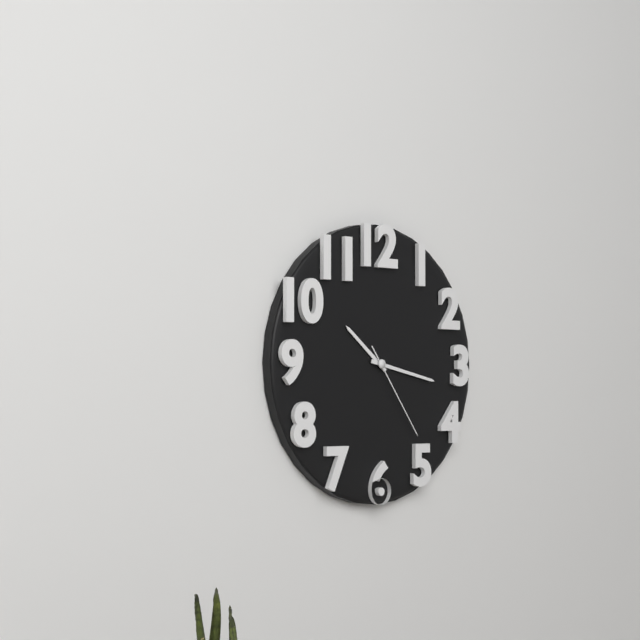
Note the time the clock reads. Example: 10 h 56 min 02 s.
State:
10 h 17 min 24 s
